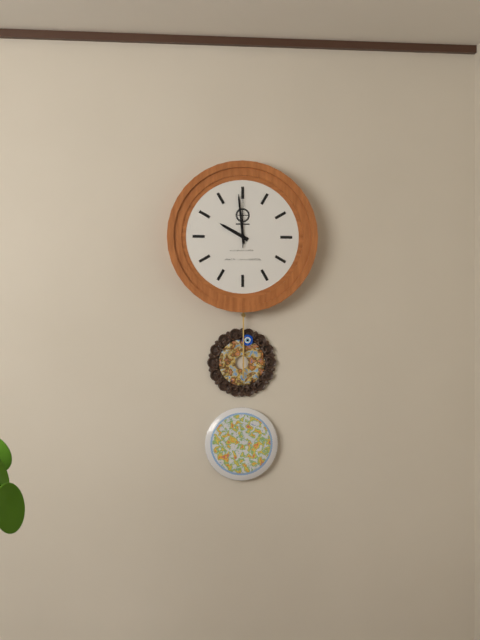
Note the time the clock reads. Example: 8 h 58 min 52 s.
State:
9 h 59 min 00 s
